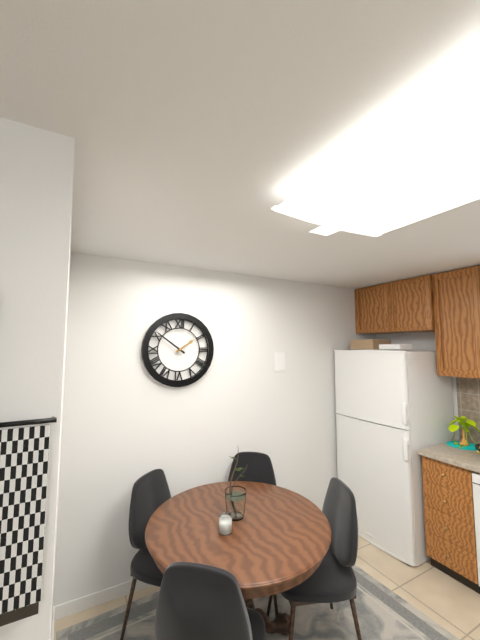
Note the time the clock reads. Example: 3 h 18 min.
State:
1 h 51 min
